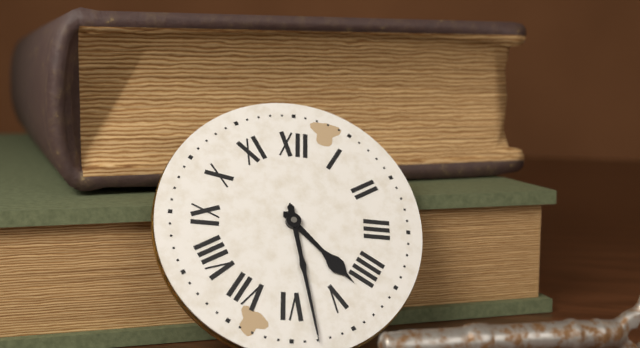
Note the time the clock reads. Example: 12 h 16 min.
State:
4 h 28 min
